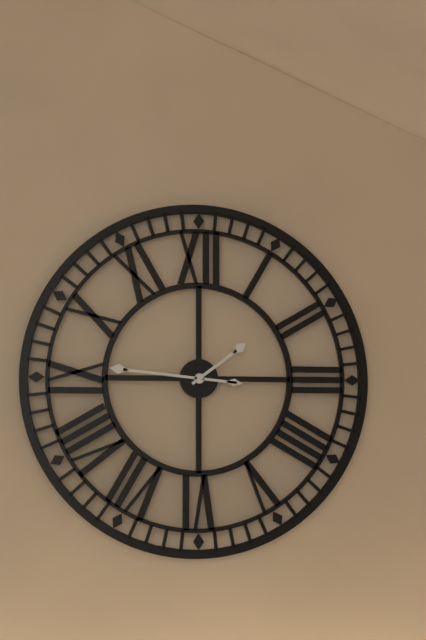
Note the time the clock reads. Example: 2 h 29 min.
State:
1 h 46 min
